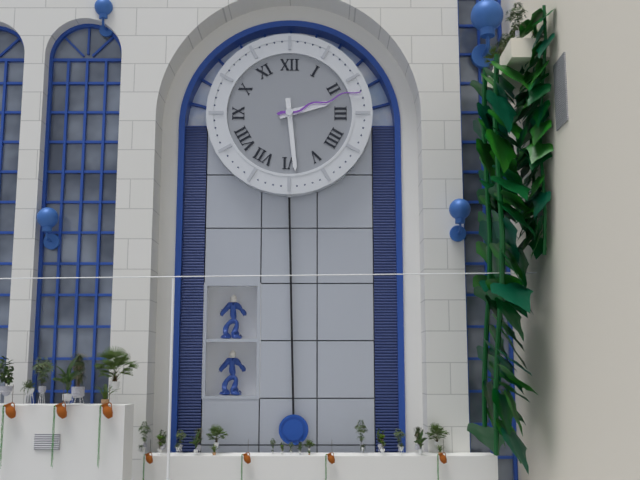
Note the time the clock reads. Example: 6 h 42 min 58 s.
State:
2 h 29 min 12 s
